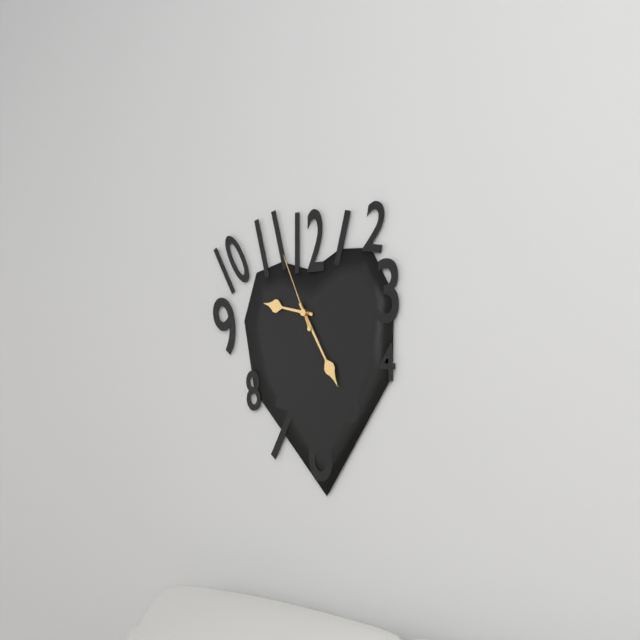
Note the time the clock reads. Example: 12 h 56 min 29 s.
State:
9 h 25 min 56 s
